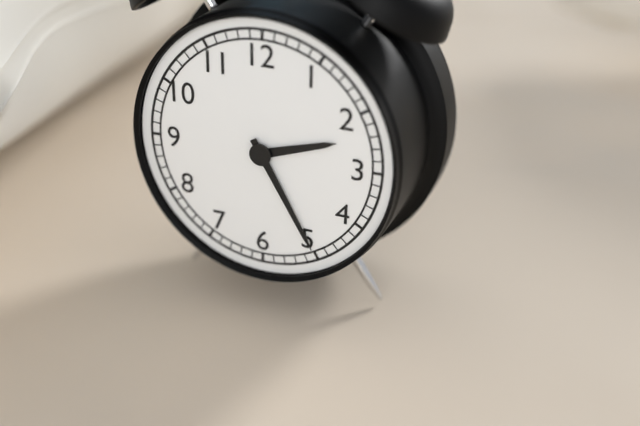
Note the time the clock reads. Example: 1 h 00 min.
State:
2 h 25 min
